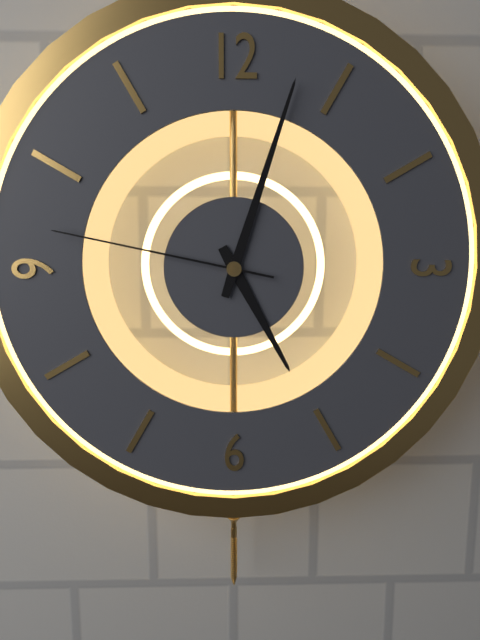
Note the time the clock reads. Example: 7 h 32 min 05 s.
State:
5 h 03 min 47 s
